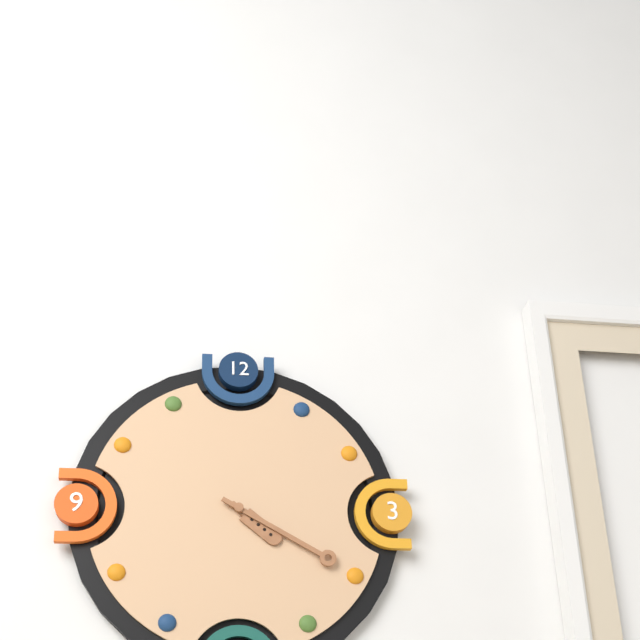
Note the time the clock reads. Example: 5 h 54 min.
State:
4 h 20 min
